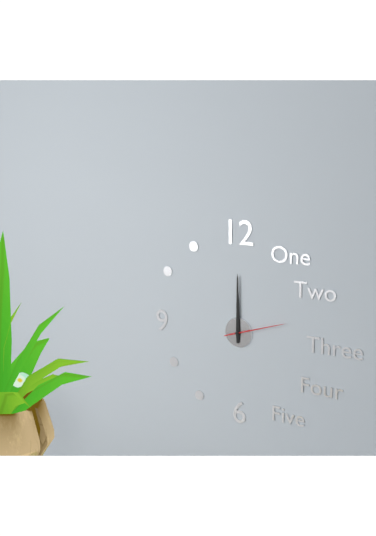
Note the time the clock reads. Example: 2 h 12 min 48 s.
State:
12 h 00 min 12 s
